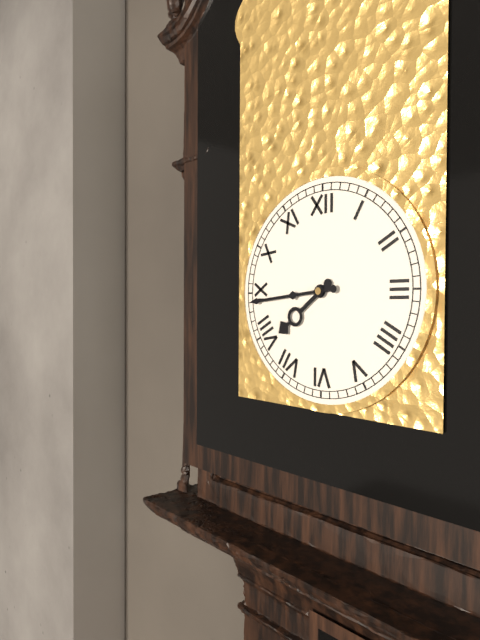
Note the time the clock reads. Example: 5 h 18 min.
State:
7 h 44 min
